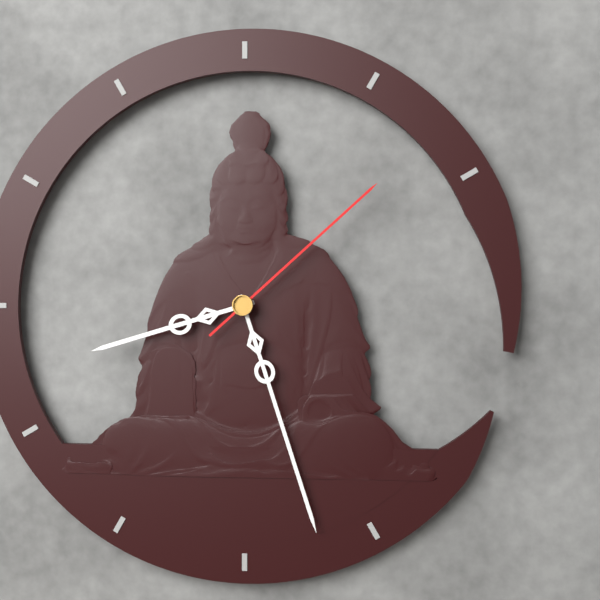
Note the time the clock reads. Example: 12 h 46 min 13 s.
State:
8 h 27 min 08 s
